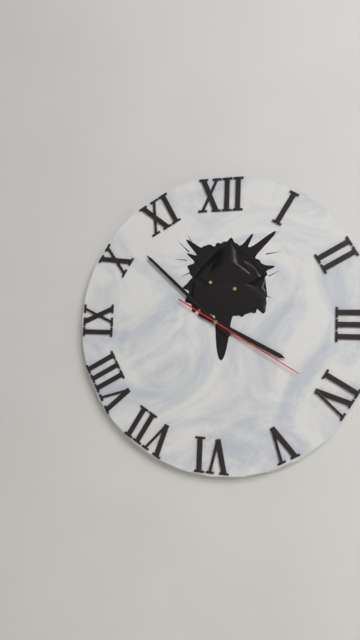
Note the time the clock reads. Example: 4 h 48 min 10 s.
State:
3 h 52 min 20 s
